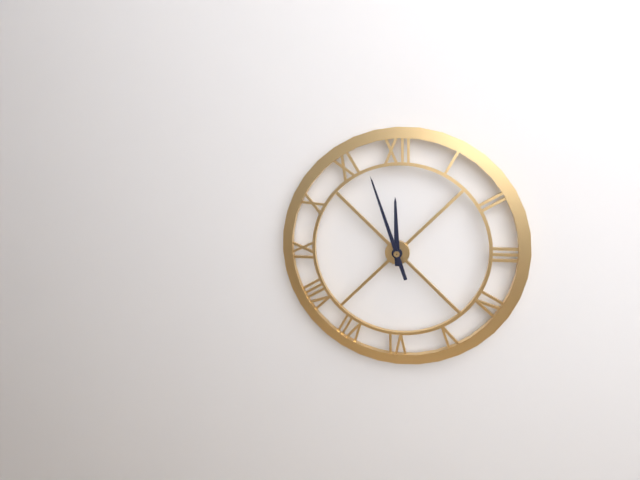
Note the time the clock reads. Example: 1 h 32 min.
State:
11 h 57 min
